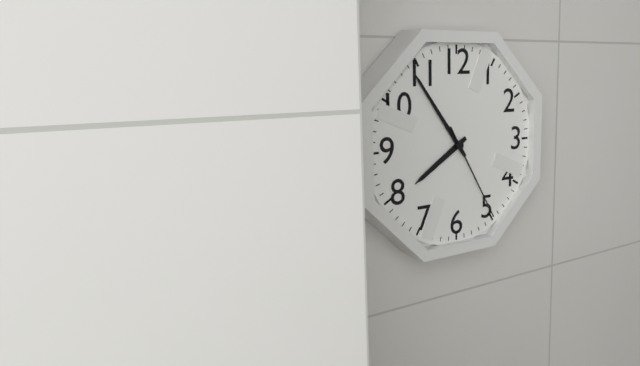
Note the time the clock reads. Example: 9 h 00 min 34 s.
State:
7 h 54 min 25 s
